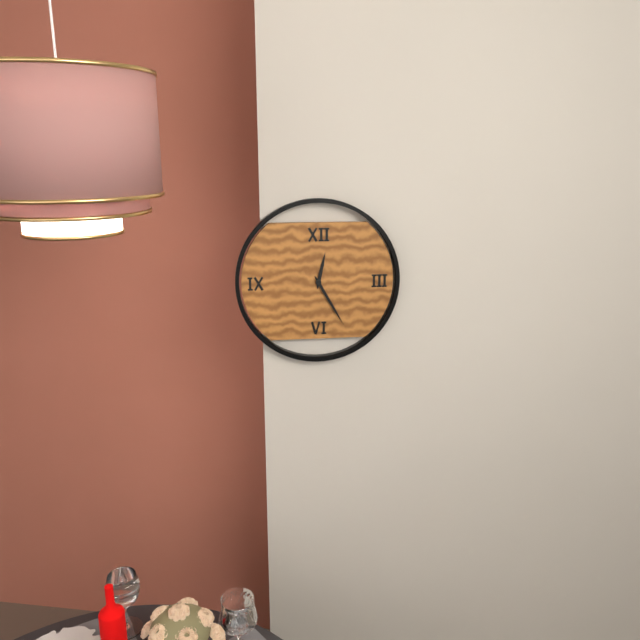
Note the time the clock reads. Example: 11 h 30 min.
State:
12 h 25 min
